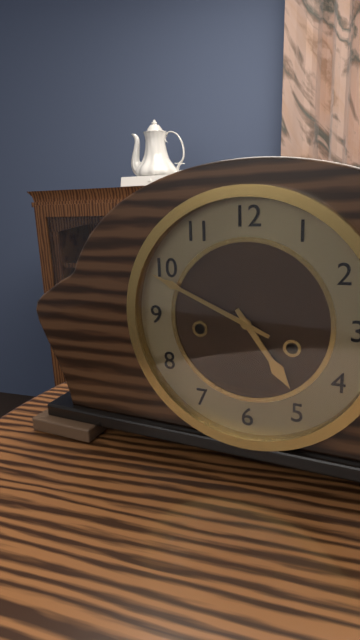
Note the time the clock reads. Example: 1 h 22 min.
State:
4 h 49 min
